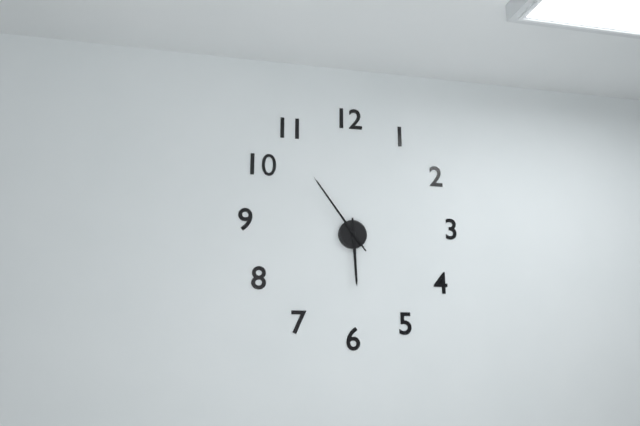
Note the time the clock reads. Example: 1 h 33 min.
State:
5 h 54 min
